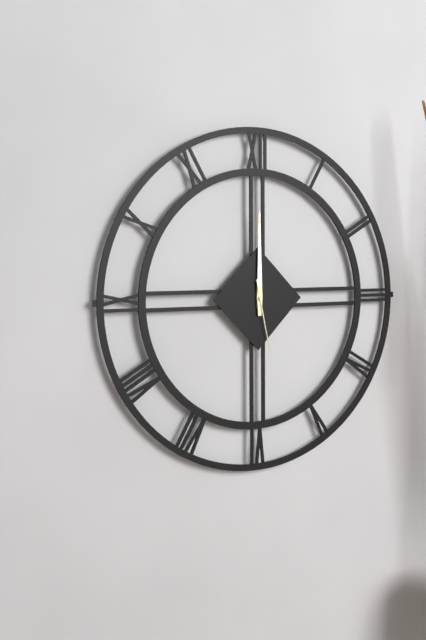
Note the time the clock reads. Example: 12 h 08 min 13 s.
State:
12 h 00 min 28 s
